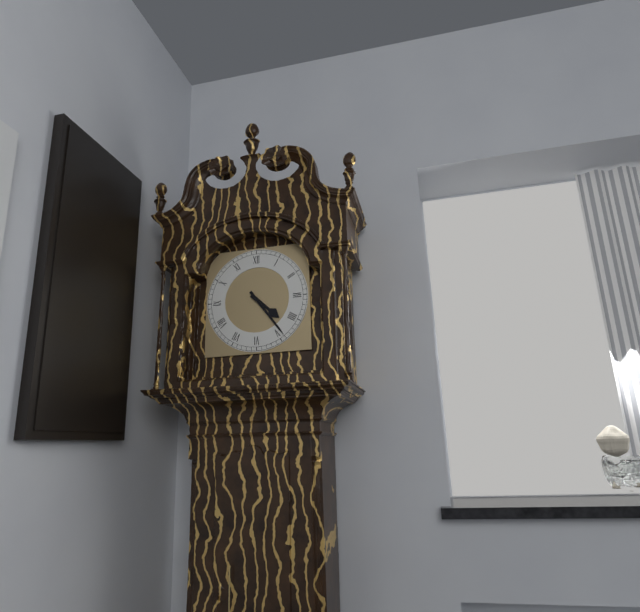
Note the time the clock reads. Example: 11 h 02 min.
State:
4 h 24 min
